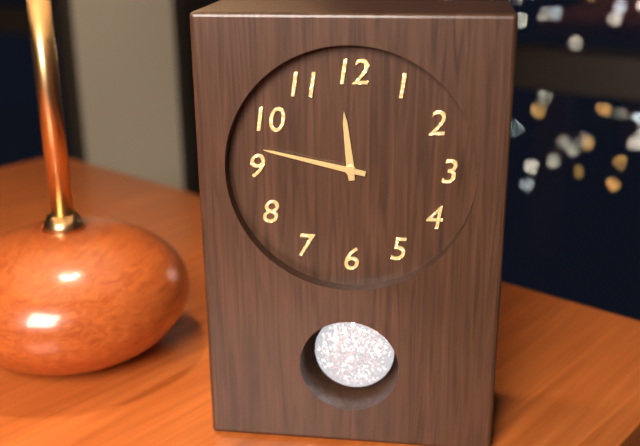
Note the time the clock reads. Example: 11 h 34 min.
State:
11 h 47 min
